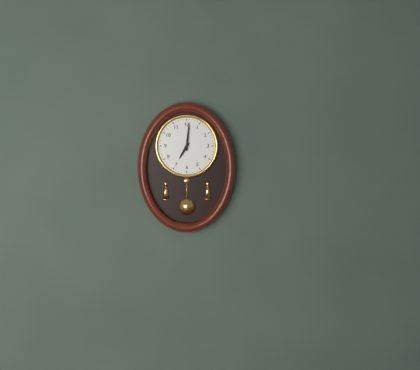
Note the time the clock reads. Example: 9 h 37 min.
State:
7 h 01 min
